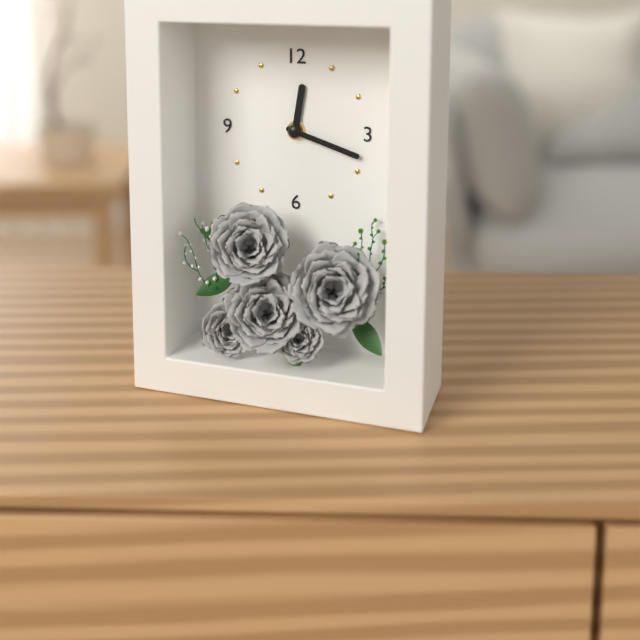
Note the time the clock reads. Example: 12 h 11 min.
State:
12 h 18 min
